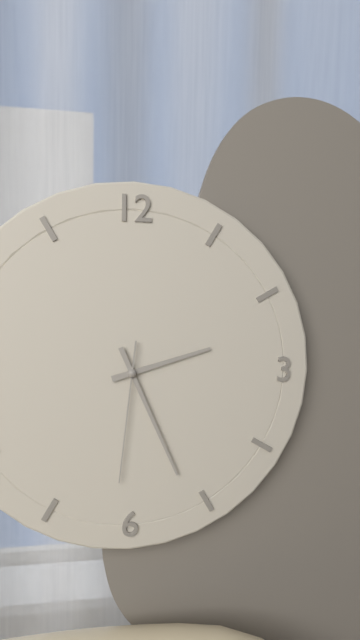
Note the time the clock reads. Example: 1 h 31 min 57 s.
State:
2 h 26 min 31 s
